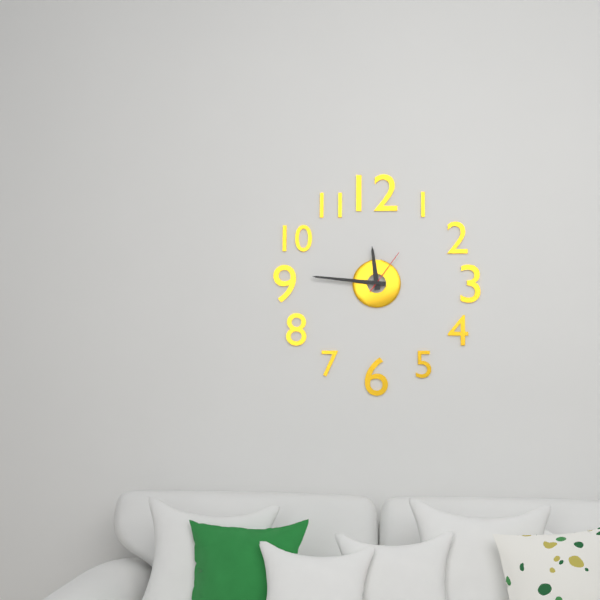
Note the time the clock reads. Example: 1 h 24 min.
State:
11 h 46 min
